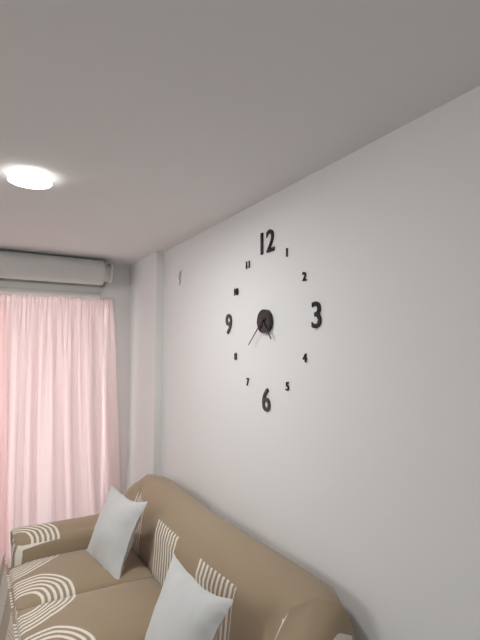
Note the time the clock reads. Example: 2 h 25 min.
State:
4 h 38 min
